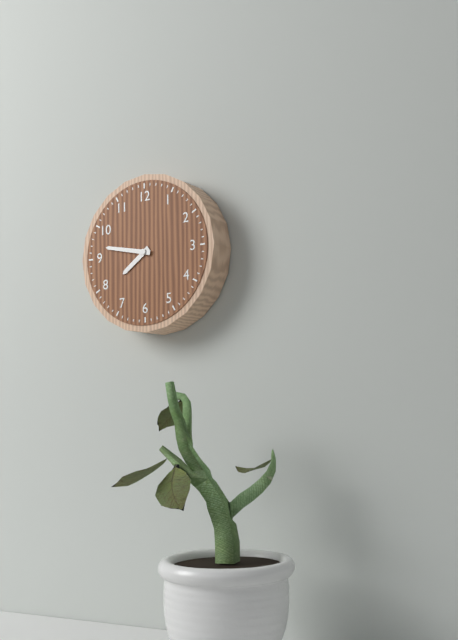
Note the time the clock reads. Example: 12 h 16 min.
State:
7 h 47 min
